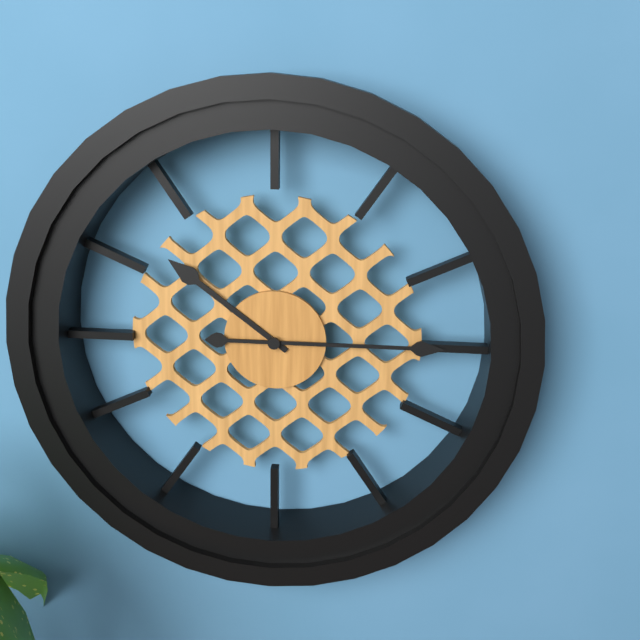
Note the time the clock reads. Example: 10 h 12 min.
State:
10 h 15 min
